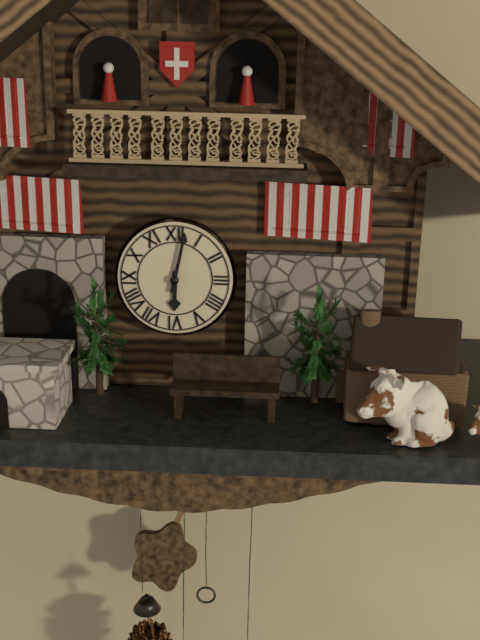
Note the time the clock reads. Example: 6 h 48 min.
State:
6 h 02 min
